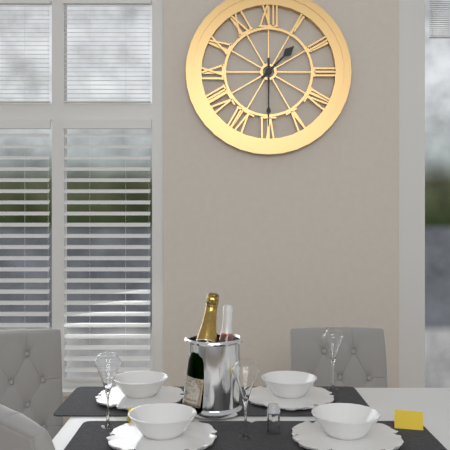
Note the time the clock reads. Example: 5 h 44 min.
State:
1 h 30 min
